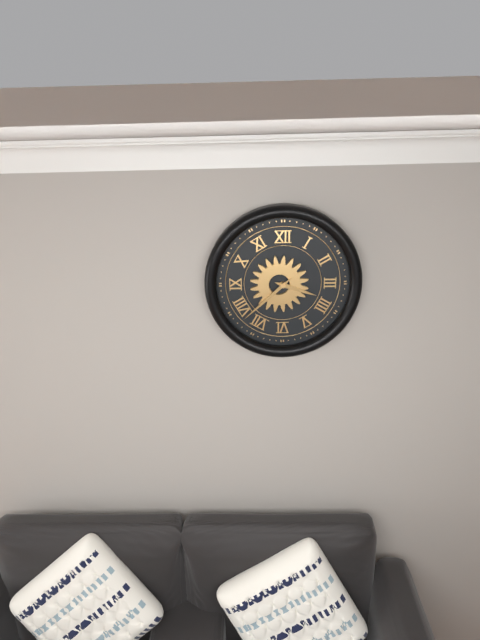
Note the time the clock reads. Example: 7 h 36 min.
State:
3 h 38 min
